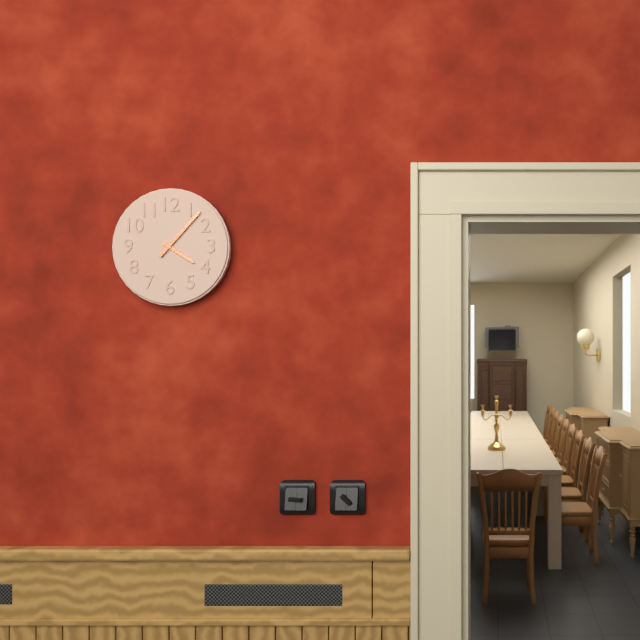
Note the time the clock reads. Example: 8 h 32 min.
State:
4 h 07 min
